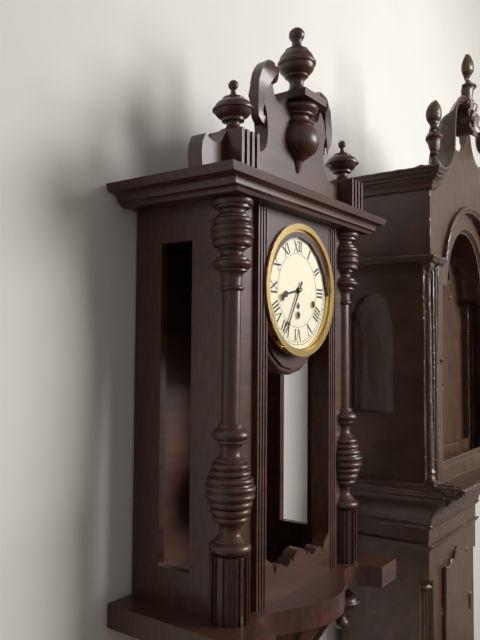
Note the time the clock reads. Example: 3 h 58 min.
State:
8 h 35 min
